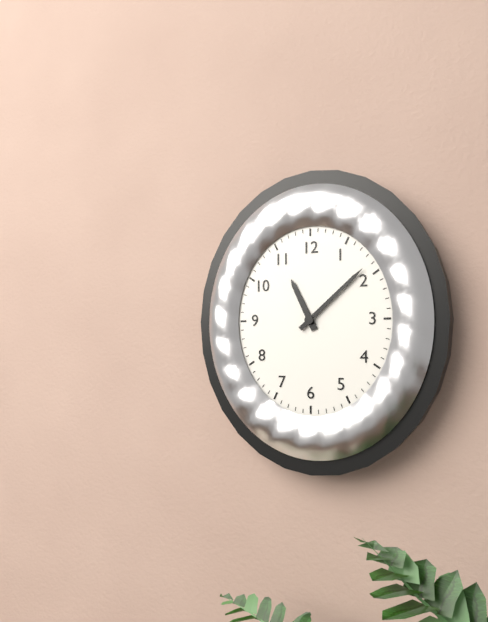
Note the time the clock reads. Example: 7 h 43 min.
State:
11 h 08 min
